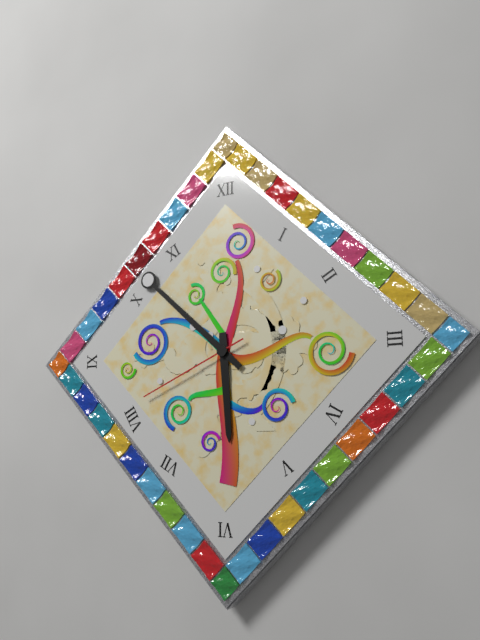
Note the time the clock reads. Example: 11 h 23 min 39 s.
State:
5 h 52 min 41 s
